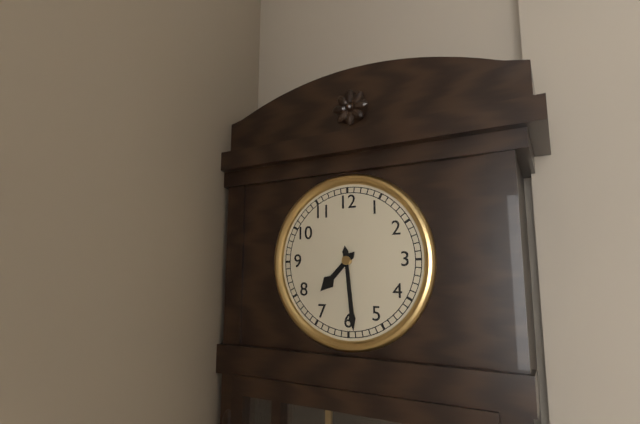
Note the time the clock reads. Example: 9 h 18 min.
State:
7 h 29 min
